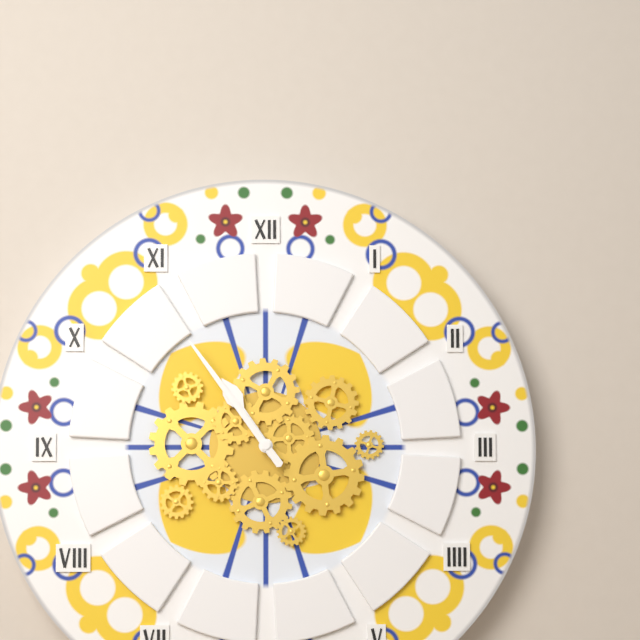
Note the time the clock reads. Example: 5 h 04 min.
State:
10 h 54 min
